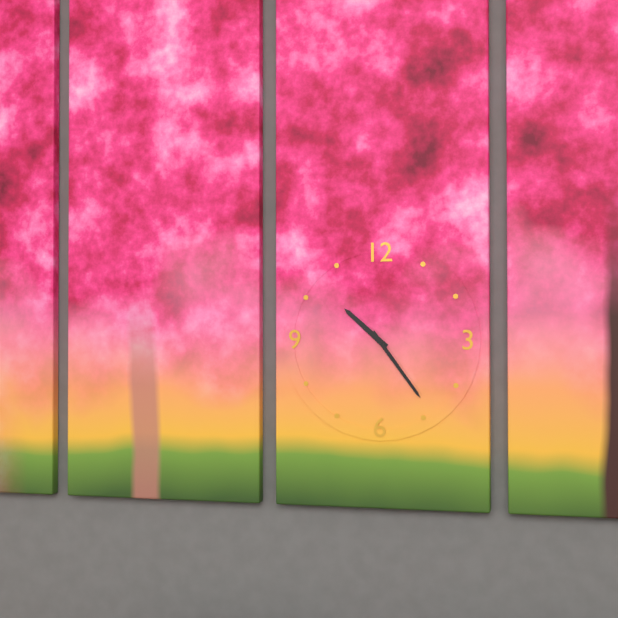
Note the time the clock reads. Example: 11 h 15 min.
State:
10 h 24 min
